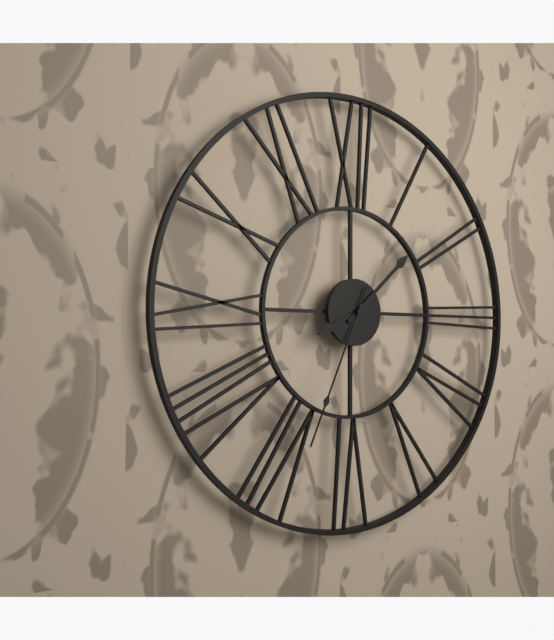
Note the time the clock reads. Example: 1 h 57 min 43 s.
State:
8 h 08 min 34 s
